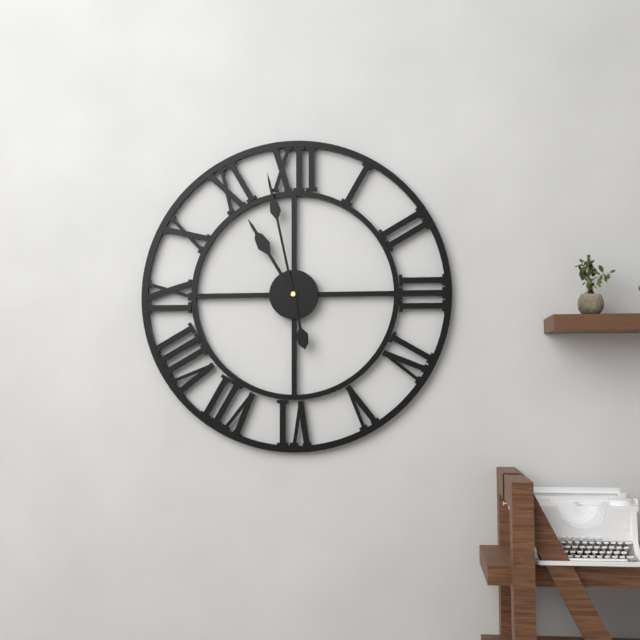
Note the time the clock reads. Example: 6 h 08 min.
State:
10 h 58 min
